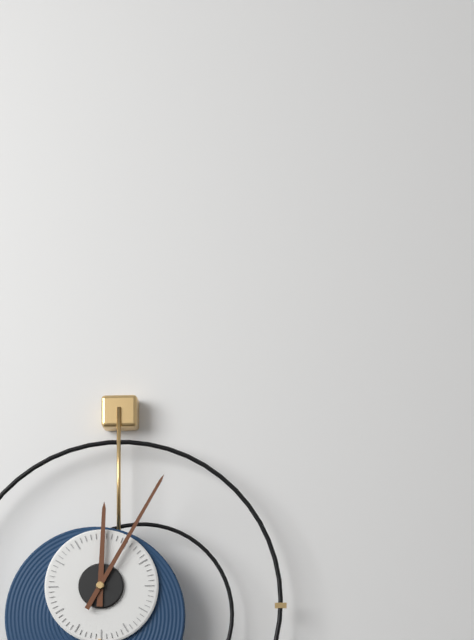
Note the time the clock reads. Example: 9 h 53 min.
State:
12 h 05 min
